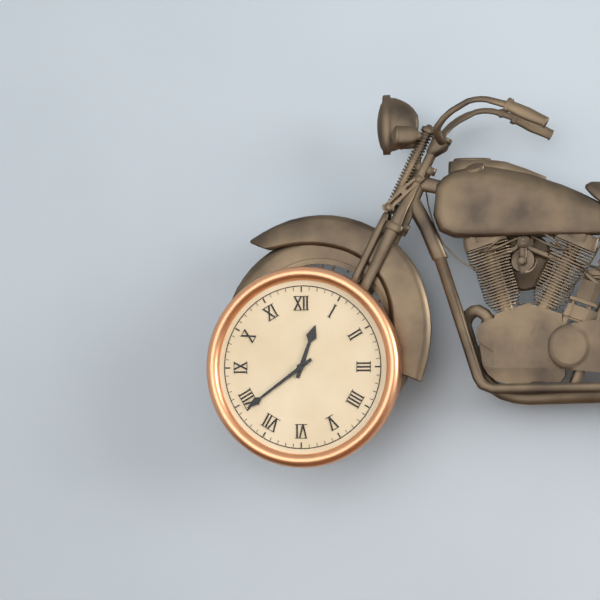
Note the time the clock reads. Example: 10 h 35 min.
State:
12 h 39 min
